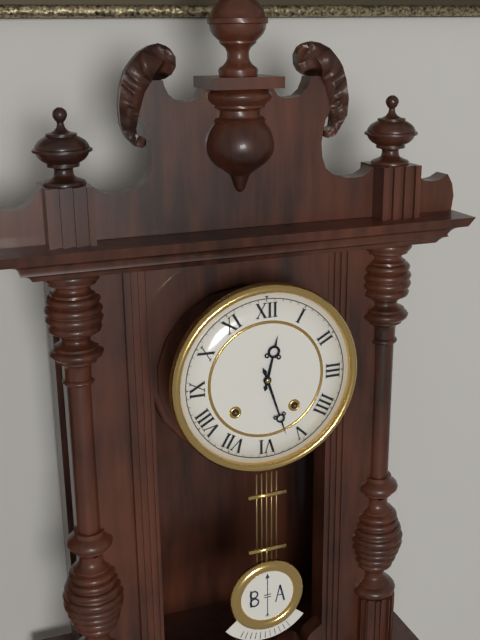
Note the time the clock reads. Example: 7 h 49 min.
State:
12 h 27 min
